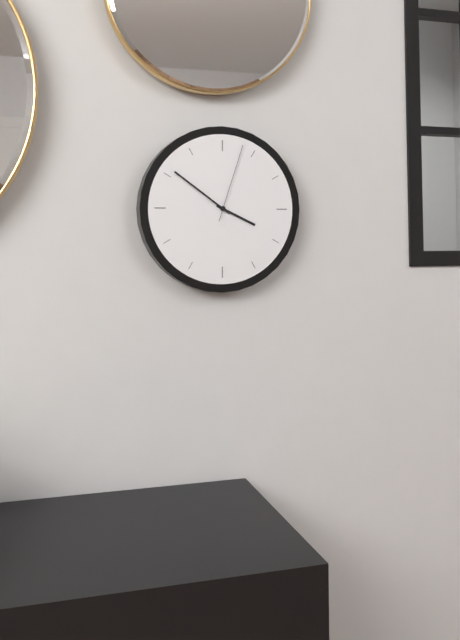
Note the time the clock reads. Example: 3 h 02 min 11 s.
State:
3 h 51 min 03 s
